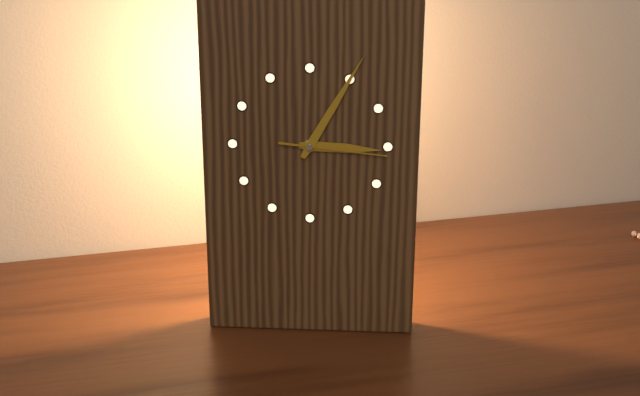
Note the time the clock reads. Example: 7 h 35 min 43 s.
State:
3 h 05 min 16 s
